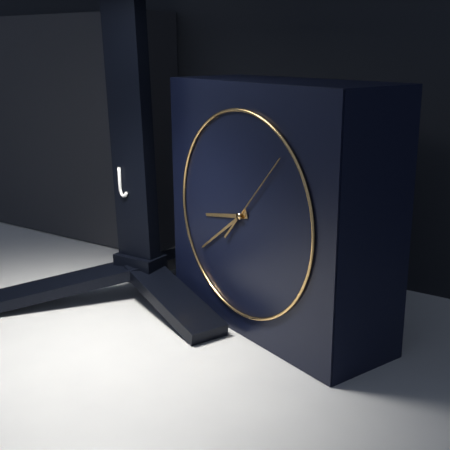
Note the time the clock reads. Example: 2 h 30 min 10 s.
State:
8 h 39 min 07 s
